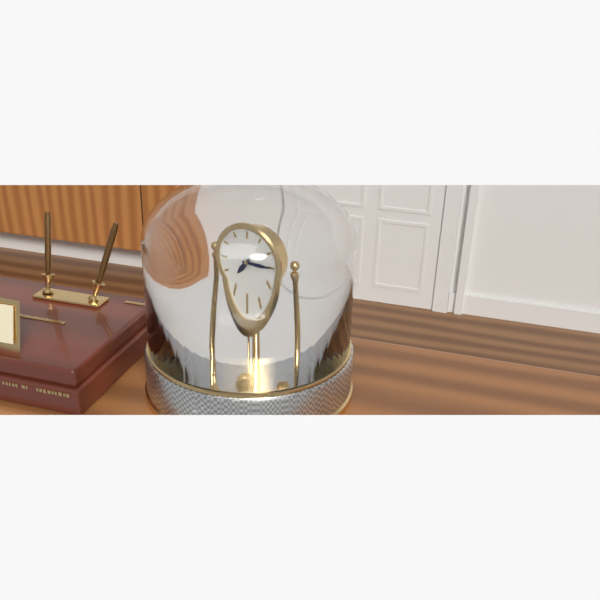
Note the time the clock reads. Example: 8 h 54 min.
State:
7 h 15 min
